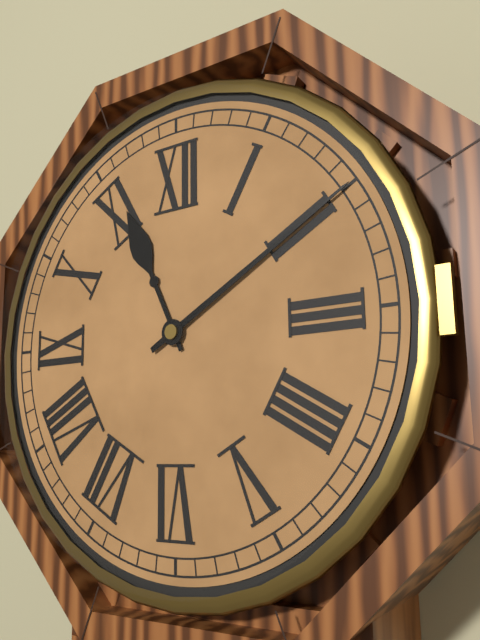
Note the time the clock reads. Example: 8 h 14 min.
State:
11 h 10 min
